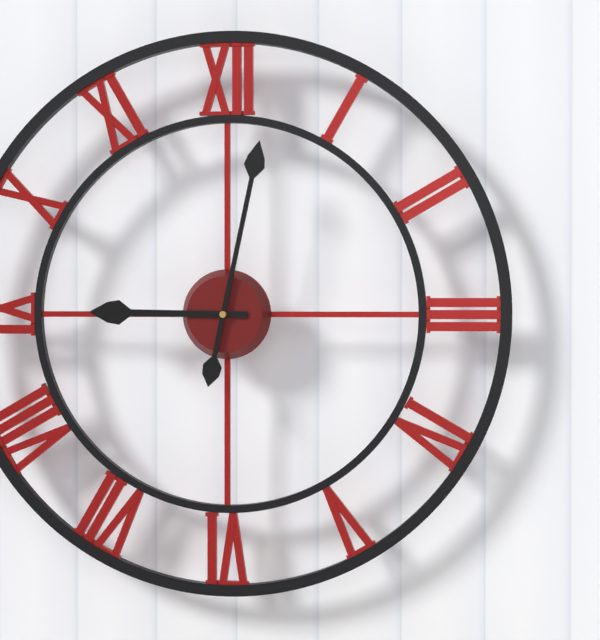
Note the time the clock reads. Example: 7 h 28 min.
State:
9 h 02 min
